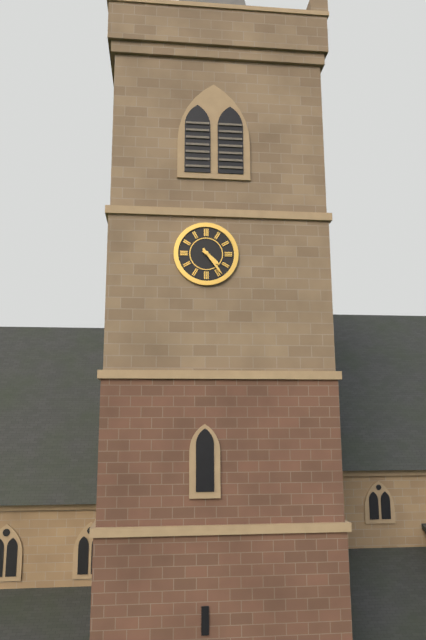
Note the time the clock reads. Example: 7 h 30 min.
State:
4 h 24 min
